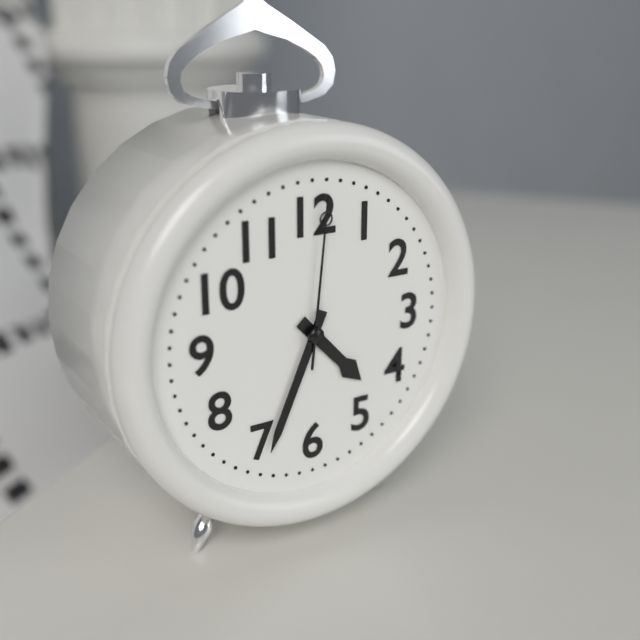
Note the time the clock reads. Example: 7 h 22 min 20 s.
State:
4 h 34 min 01 s
